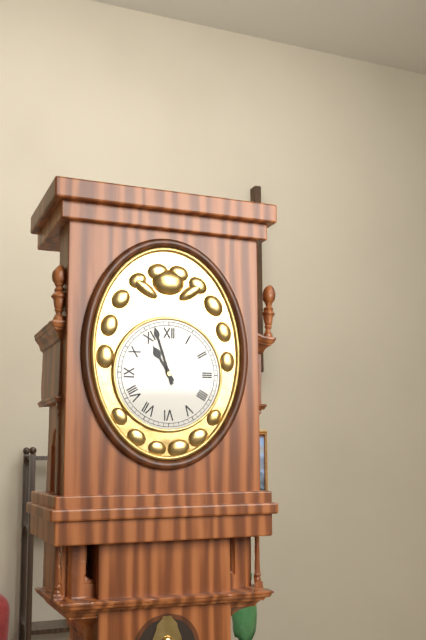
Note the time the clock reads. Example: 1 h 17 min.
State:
10 h 57 min
